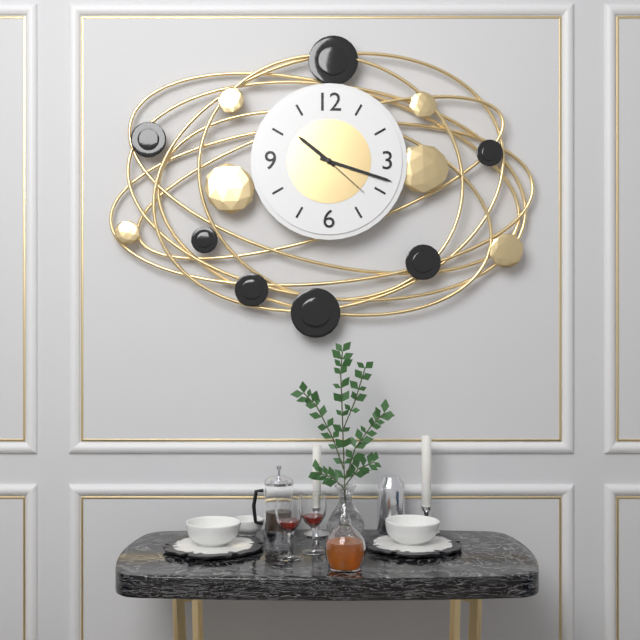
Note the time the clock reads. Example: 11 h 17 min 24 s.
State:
10 h 18 min 22 s
